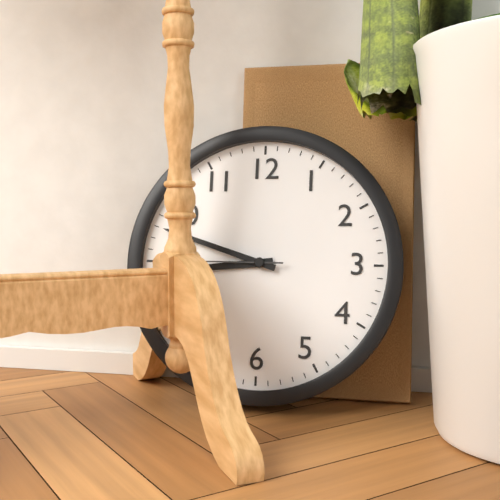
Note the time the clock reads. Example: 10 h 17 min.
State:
8 h 48 min
